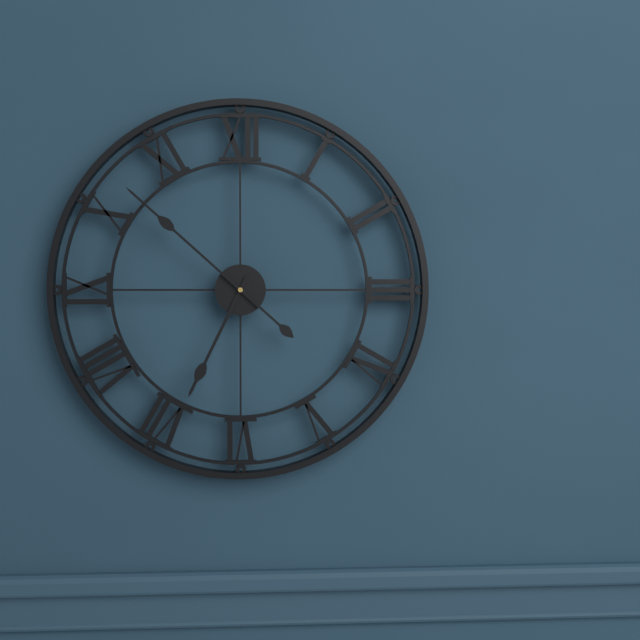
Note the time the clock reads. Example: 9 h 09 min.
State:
6 h 52 min
